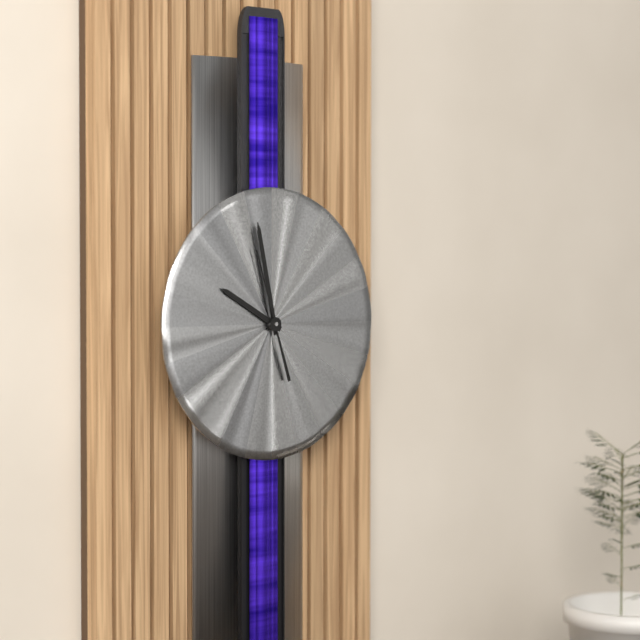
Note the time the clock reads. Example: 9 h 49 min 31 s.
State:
9 h 58 min 57 s
